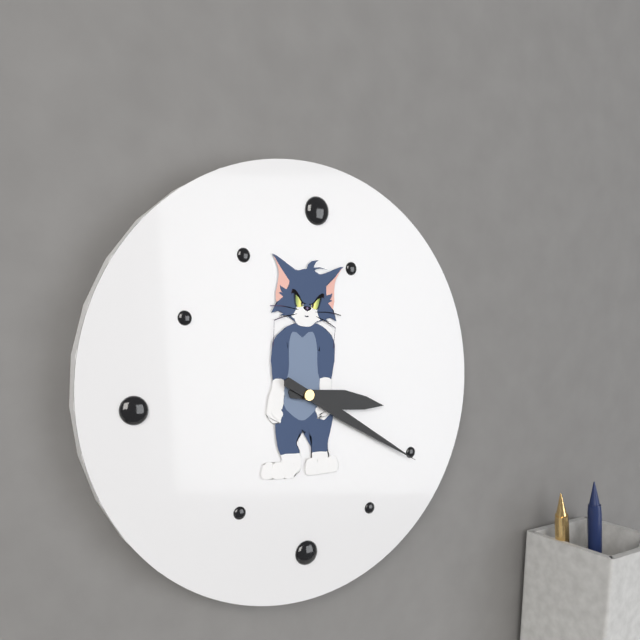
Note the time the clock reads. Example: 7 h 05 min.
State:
3 h 20 min
